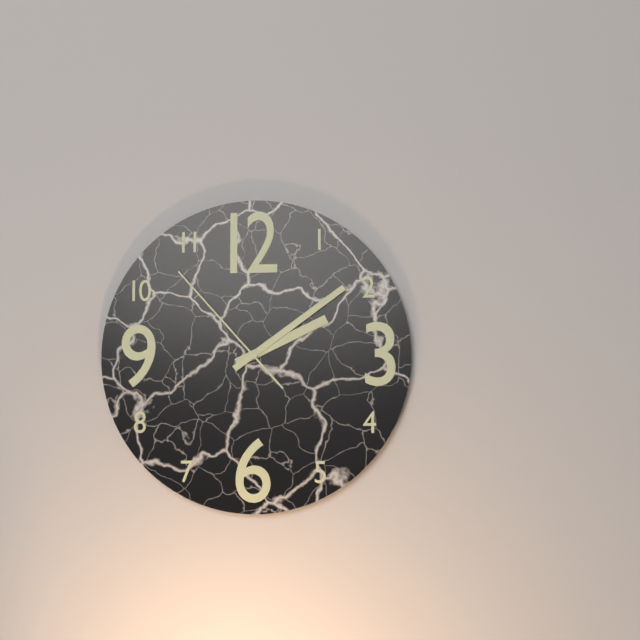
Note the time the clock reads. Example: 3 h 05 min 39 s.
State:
2 h 09 min 53 s
